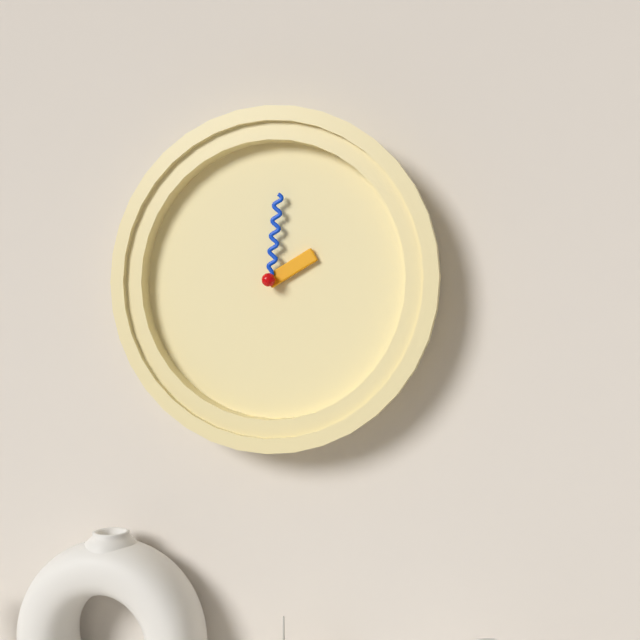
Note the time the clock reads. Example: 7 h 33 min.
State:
2 h 01 min
